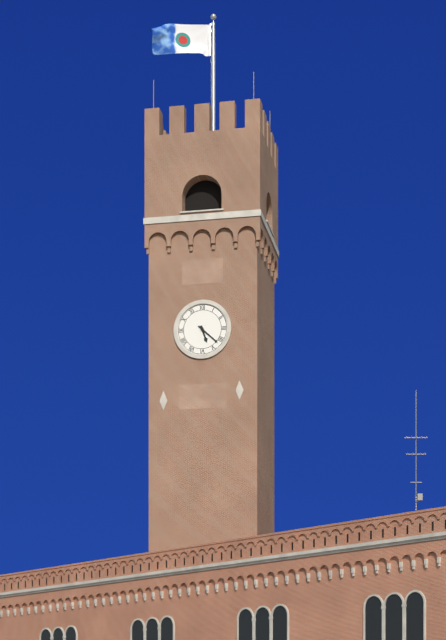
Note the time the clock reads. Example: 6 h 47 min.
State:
5 h 22 min
